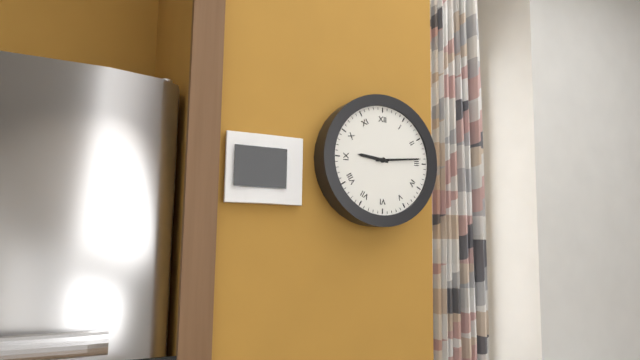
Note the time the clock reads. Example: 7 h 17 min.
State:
9 h 14 min
